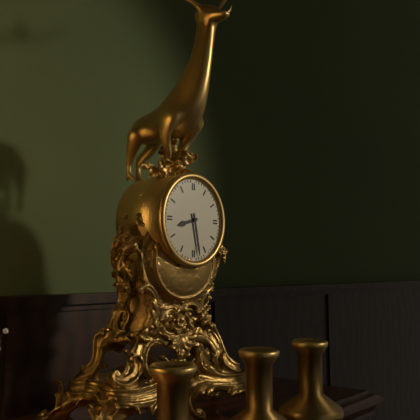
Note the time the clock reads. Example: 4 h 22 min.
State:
8 h 28 min
